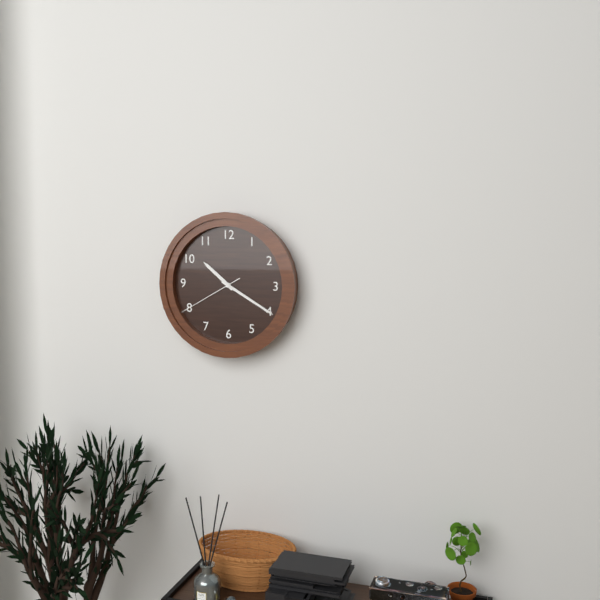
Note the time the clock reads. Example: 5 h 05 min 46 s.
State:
10 h 20 min 40 s
